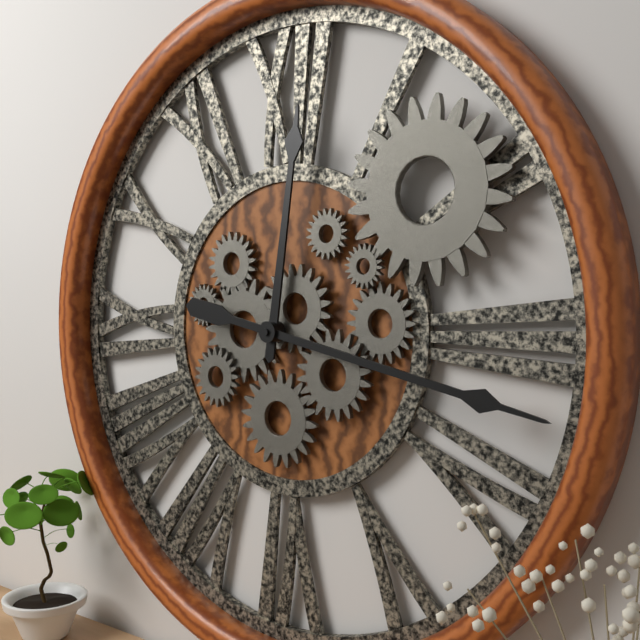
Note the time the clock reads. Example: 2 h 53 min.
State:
12 h 17 min
